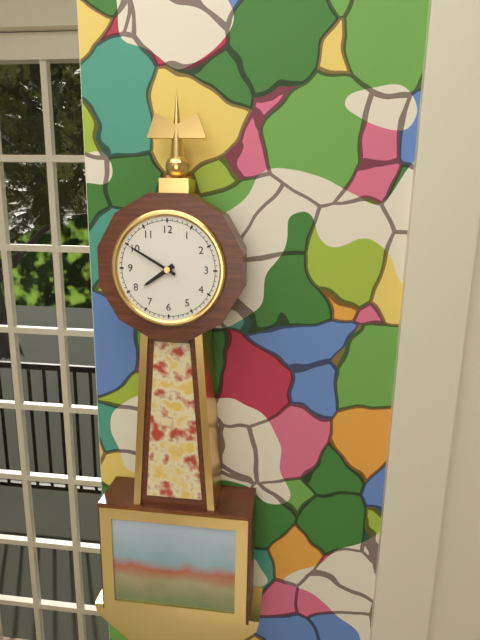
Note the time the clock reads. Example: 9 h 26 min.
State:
7 h 50 min
